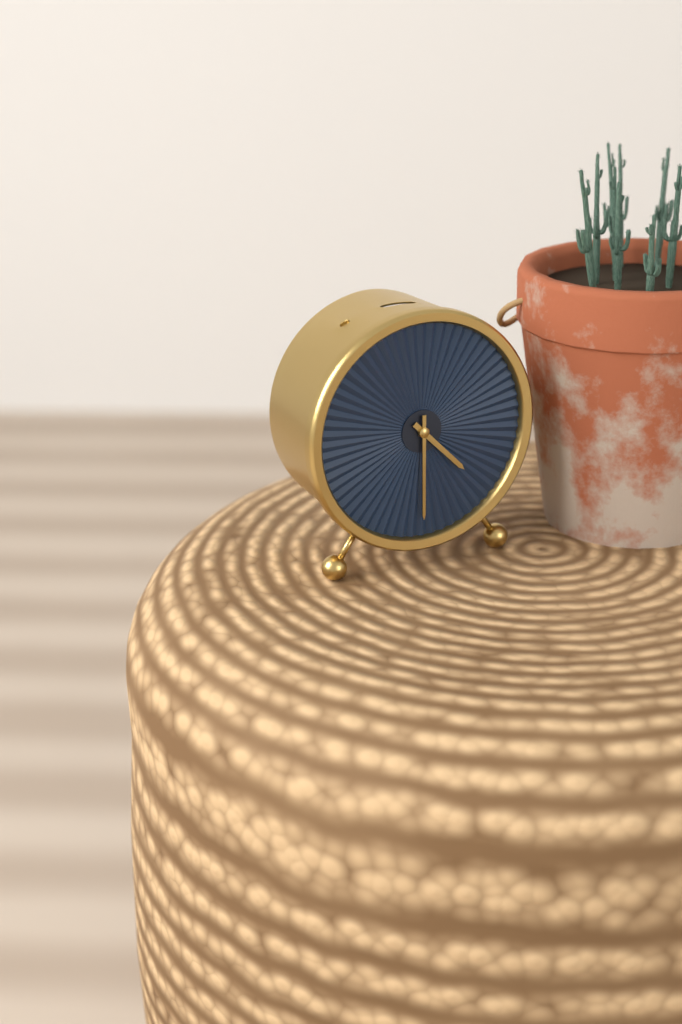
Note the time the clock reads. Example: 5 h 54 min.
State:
4 h 30 min
